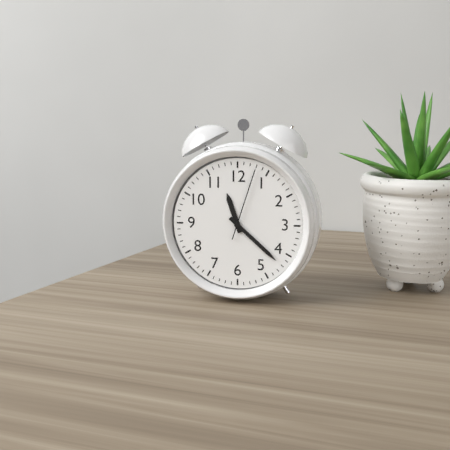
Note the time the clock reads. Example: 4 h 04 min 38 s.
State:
11 h 22 min 03 s
